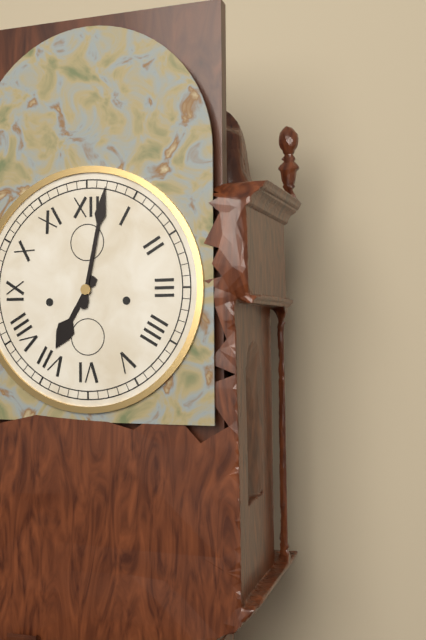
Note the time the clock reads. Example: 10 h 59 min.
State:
7 h 02 min
